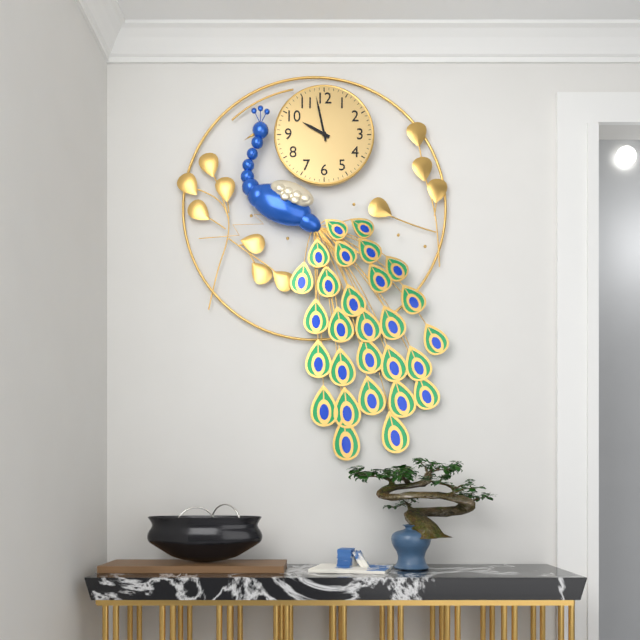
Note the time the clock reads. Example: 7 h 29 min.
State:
9 h 58 min
